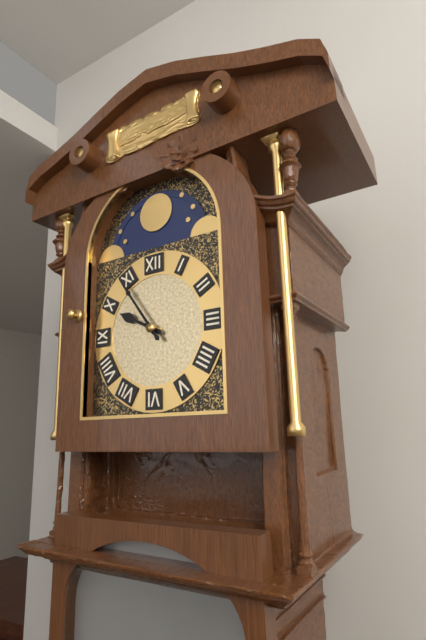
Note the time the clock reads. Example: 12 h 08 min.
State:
9 h 54 min
